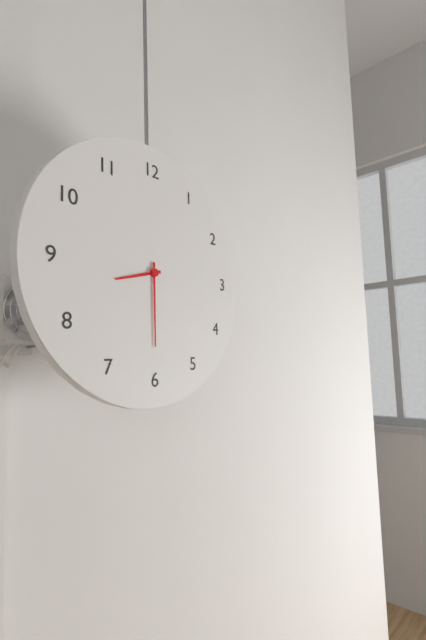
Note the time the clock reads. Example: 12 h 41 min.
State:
8 h 30 min
